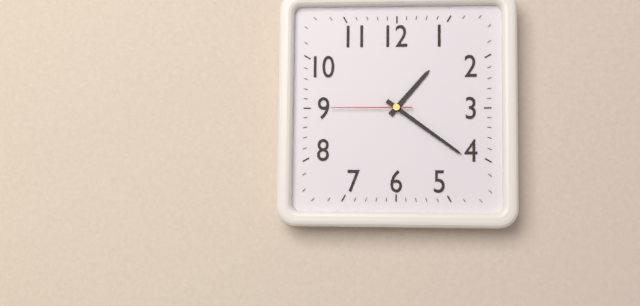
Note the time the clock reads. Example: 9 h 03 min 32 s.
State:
1 h 21 min 45 s
